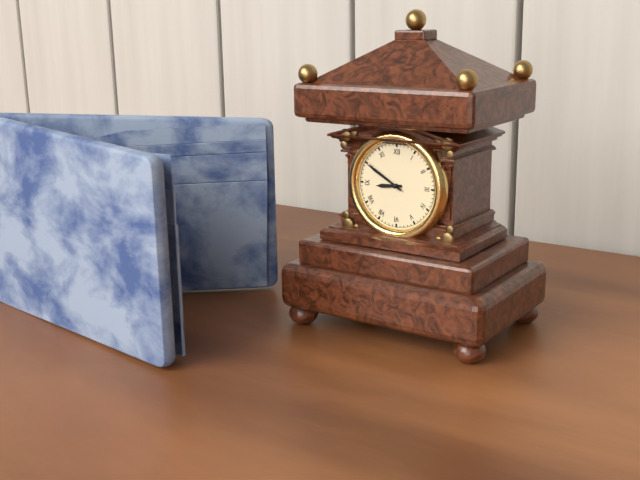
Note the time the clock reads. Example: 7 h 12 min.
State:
8 h 50 min
